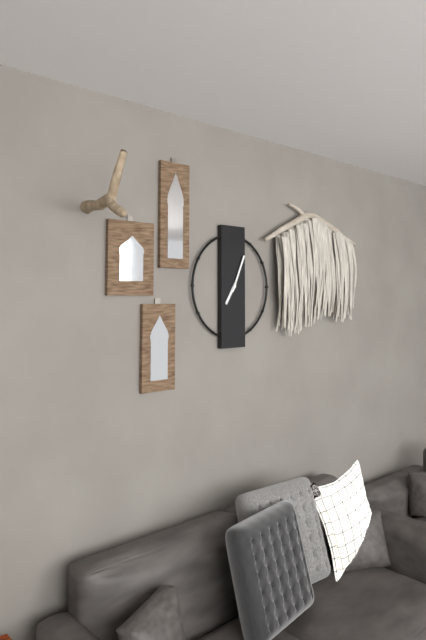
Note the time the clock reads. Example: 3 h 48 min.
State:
7 h 04 min
